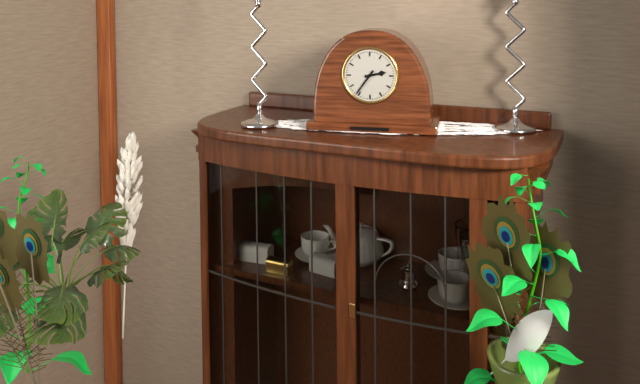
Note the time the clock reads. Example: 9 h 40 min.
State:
2 h 36 min
